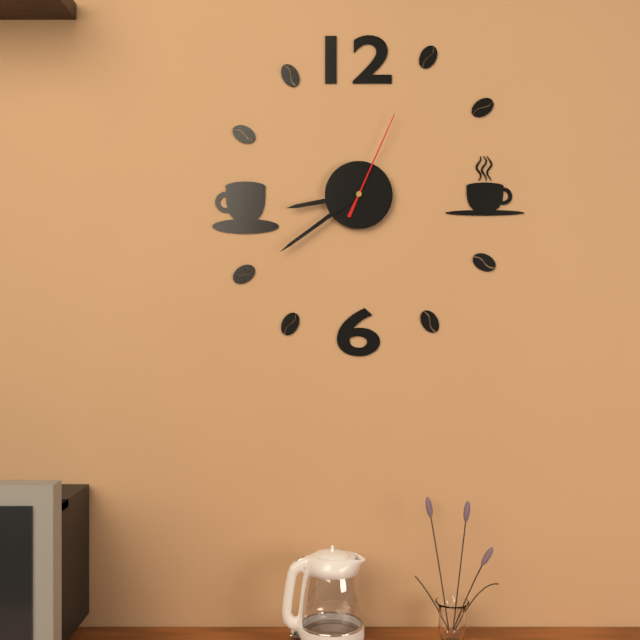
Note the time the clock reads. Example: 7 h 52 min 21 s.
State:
8 h 39 min 04 s
